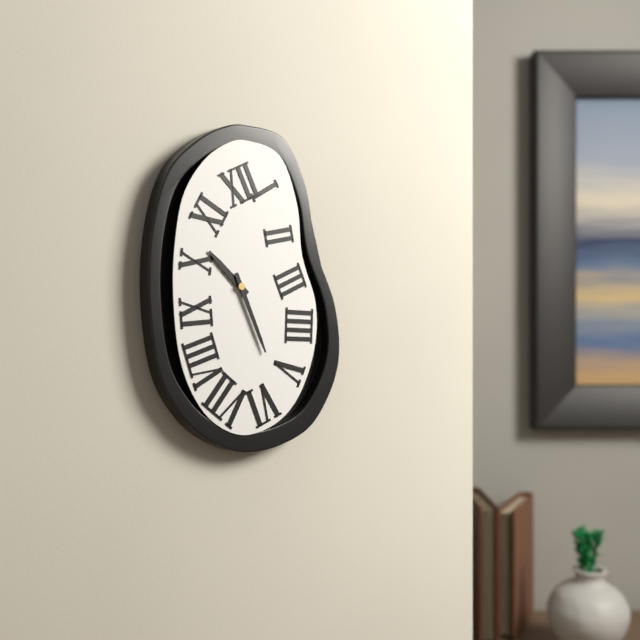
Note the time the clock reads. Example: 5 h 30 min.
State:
10 h 26 min
